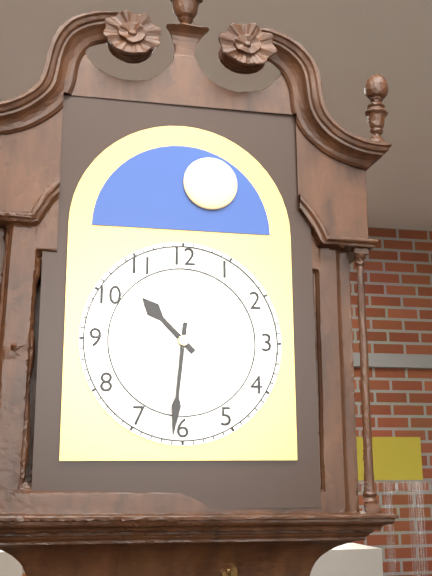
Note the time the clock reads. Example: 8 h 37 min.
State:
10 h 31 min
